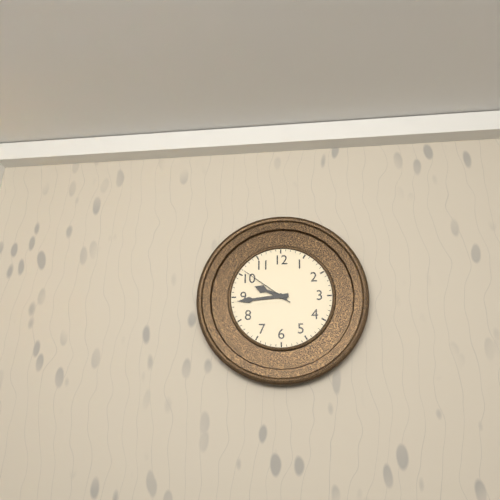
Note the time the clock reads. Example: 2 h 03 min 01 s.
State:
9 h 44 min 51 s
